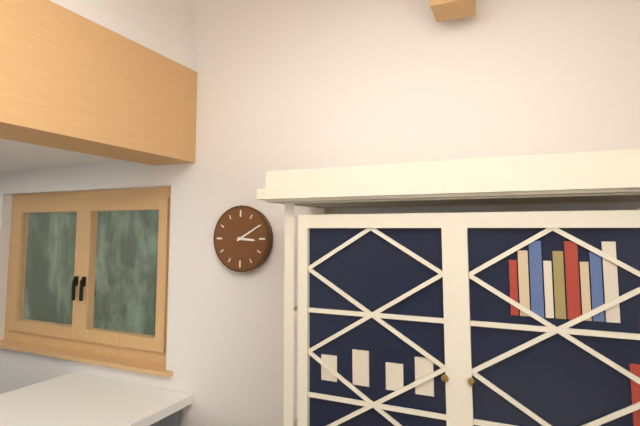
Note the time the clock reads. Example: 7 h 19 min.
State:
3 h 10 min
